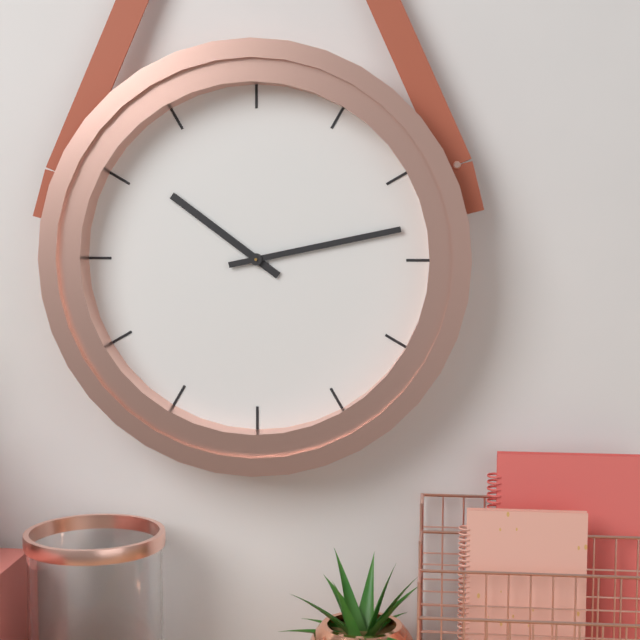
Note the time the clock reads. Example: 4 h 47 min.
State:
10 h 13 min
